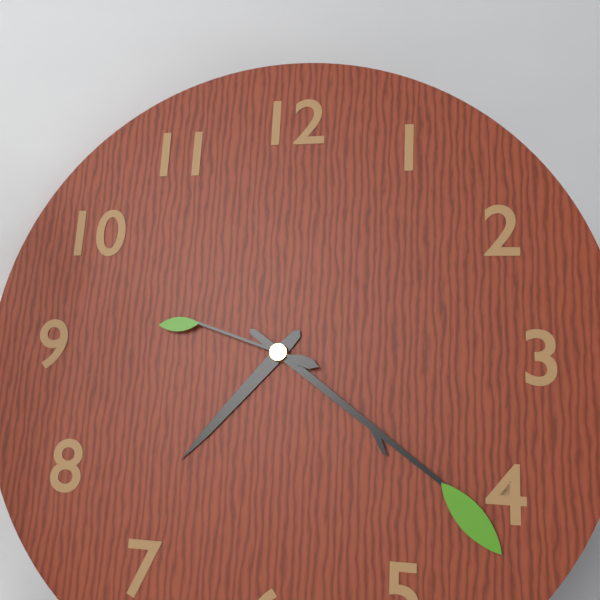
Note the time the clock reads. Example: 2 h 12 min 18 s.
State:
7 h 21 min 48 s
